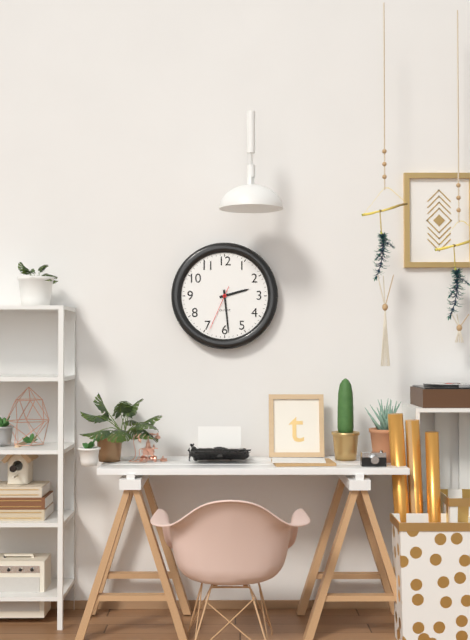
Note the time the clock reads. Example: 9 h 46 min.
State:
2 h 29 min
